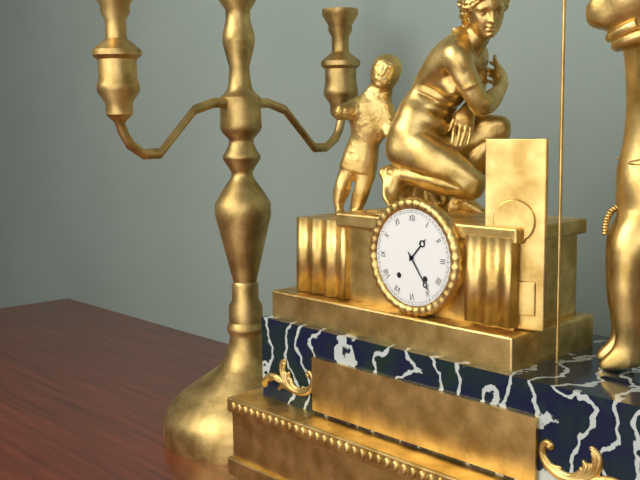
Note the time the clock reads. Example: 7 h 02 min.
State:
1 h 24 min
